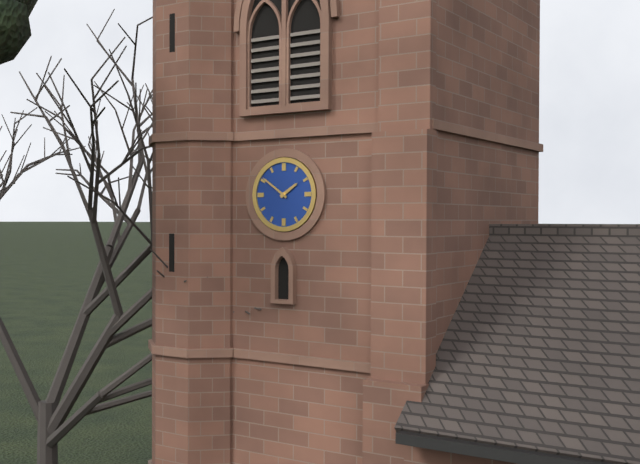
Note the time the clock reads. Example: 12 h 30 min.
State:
1 h 51 min
